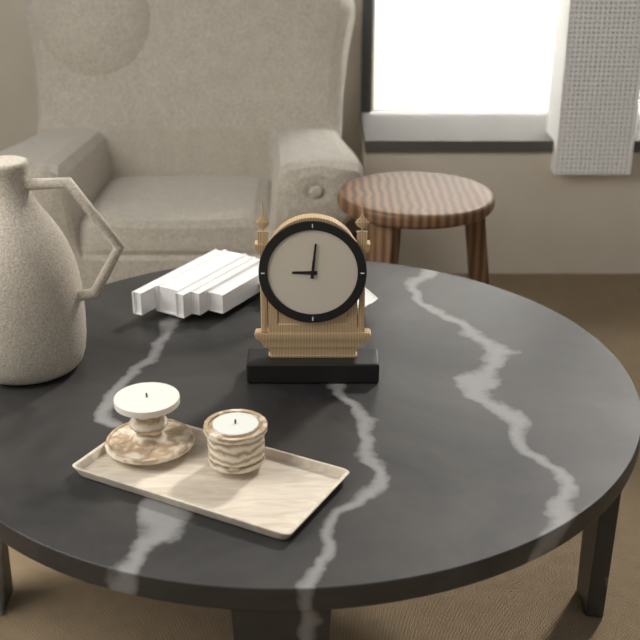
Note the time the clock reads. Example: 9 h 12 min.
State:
9 h 01 min
